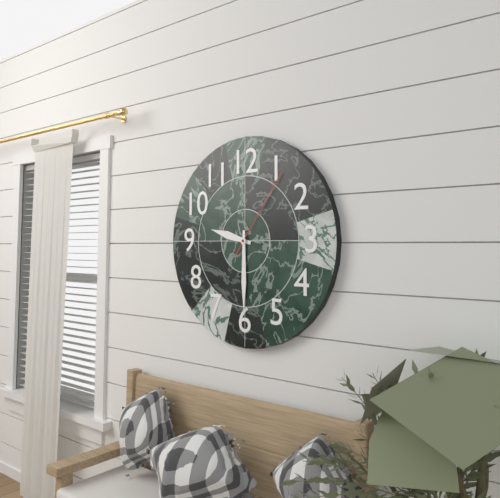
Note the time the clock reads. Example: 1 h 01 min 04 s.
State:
9 h 30 min 06 s
